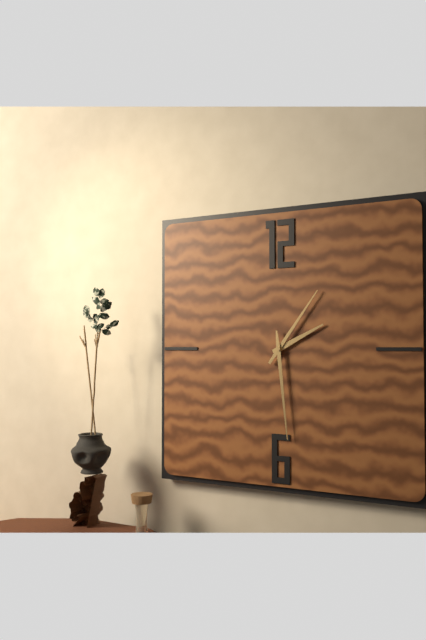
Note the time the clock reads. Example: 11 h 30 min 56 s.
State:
2 h 06 min 29 s
